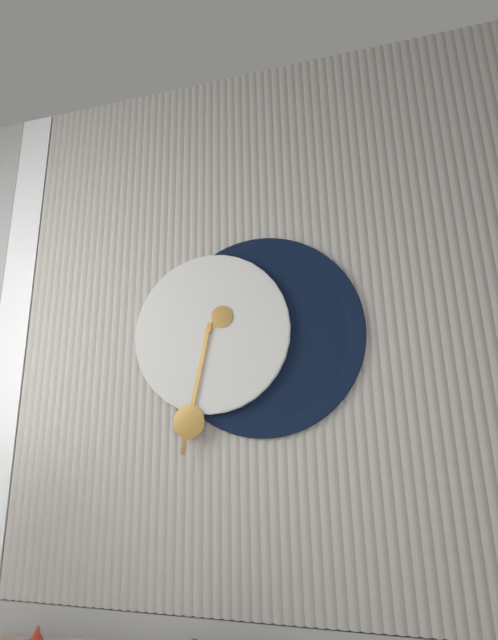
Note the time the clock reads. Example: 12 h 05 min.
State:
1 h 32 min
